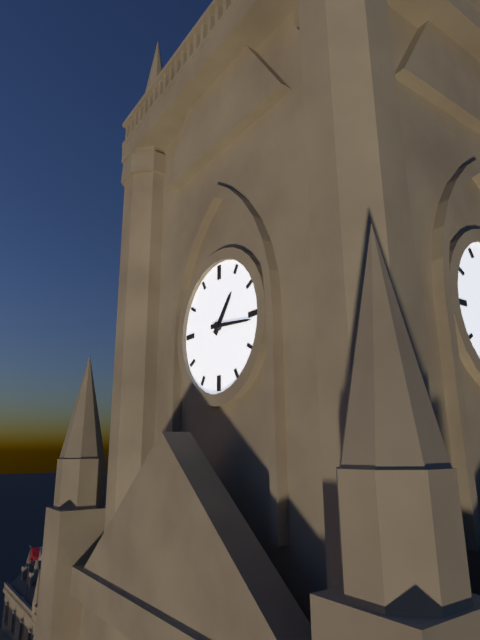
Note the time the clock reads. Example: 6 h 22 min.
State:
1 h 16 min
